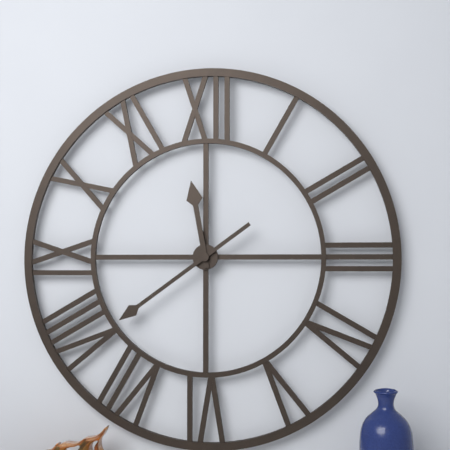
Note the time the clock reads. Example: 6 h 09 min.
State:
11 h 39 min
